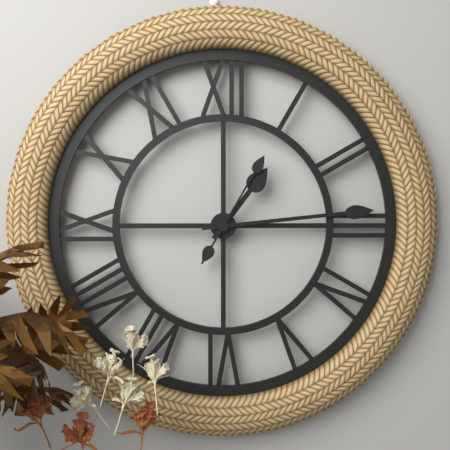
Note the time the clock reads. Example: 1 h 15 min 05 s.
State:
1 h 14 min 05 s
